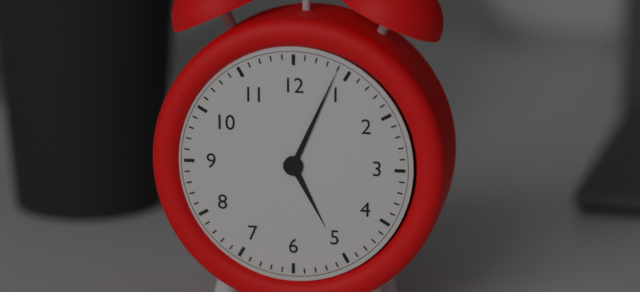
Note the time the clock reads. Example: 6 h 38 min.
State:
5 h 04 min
